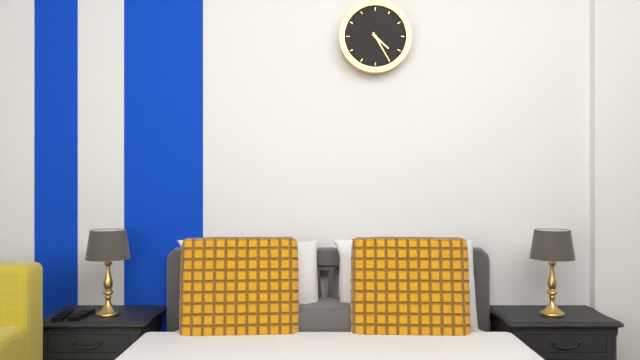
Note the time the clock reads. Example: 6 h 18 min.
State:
4 h 25 min
